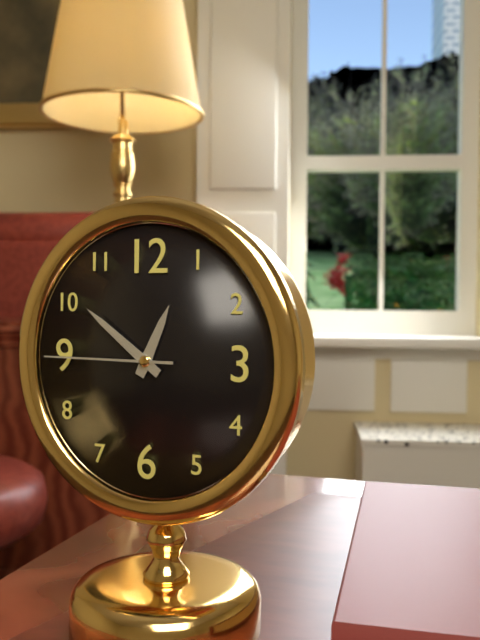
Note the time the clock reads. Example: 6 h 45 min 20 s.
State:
12 h 51 min 45 s
